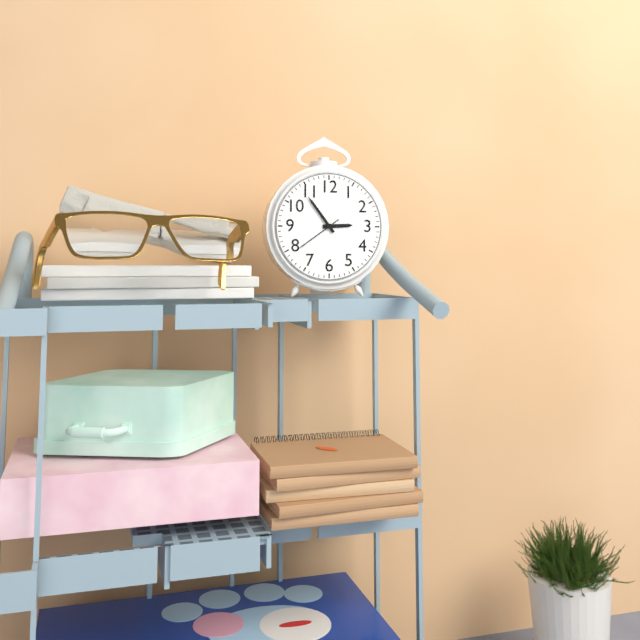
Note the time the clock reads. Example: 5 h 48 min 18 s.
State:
2 h 54 min 39 s
